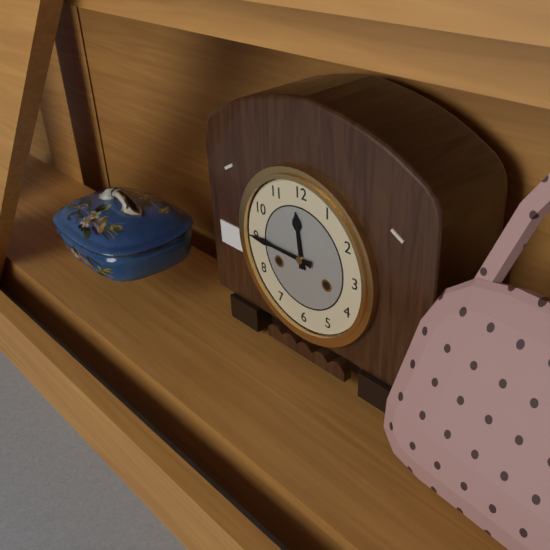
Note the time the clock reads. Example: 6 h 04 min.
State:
11 h 45 min
